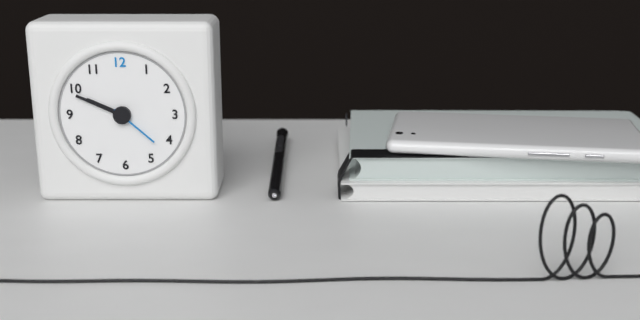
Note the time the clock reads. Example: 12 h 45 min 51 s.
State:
9 h 49 min 22 s
